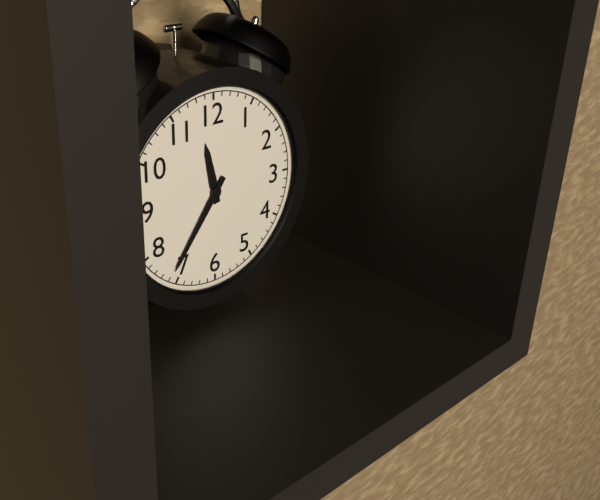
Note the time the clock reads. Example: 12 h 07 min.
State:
11 h 36 min
